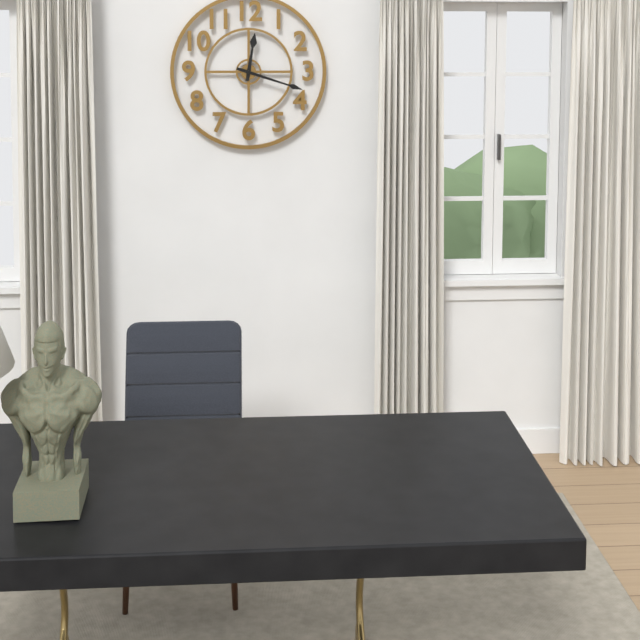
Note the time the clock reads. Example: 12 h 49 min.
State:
12 h 18 min
